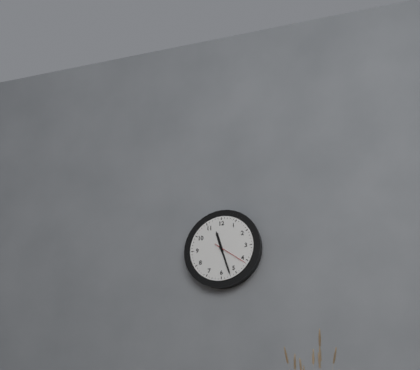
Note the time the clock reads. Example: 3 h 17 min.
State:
11 h 27 min
